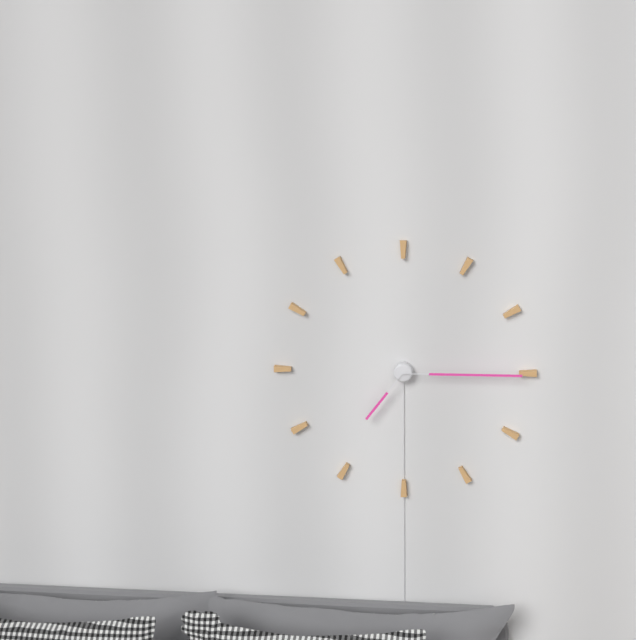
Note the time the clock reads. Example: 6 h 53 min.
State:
7 h 15 min
